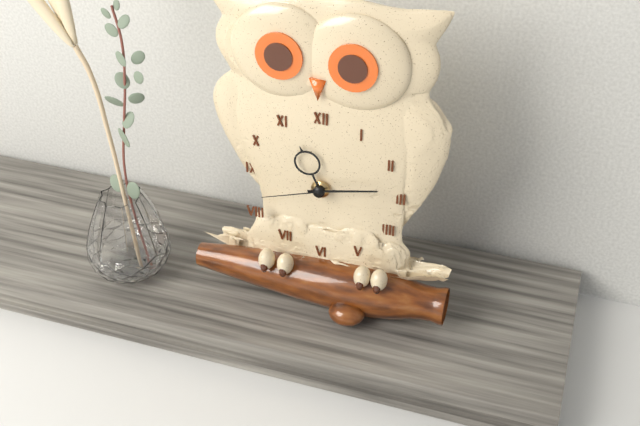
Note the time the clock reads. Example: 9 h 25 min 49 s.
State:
11 h 13 min 42 s
